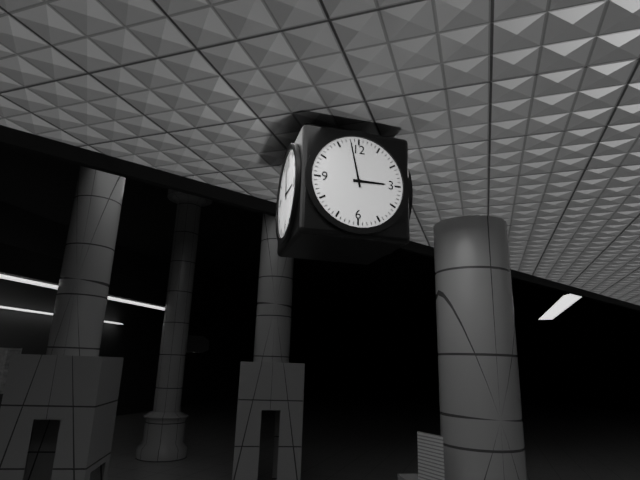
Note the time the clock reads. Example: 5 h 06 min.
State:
2 h 58 min
